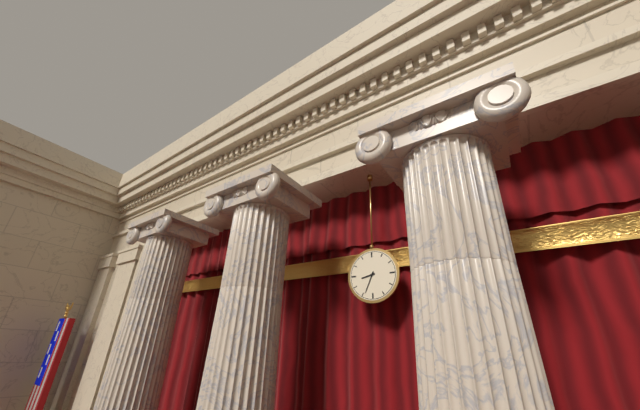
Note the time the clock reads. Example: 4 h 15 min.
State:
8 h 34 min
